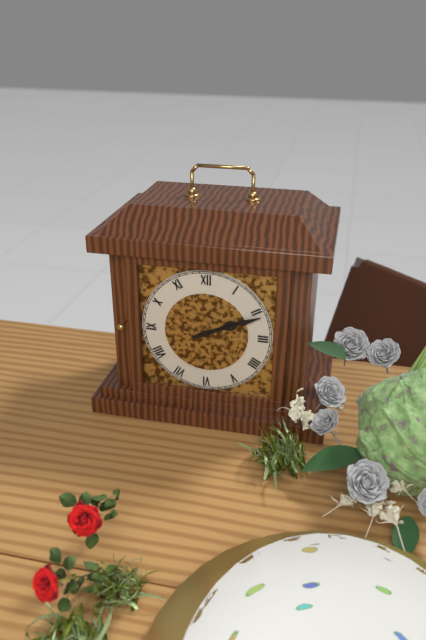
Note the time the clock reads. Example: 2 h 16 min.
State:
2 h 11 min
